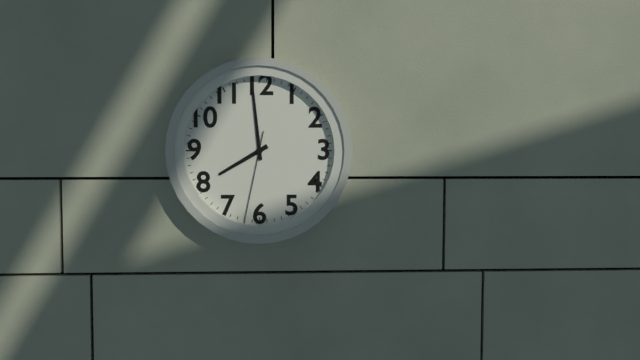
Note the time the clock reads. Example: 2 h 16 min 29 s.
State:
7 h 59 min 32 s
